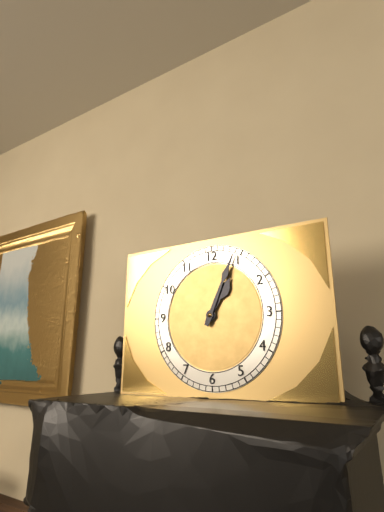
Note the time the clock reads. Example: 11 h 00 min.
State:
1 h 04 min
